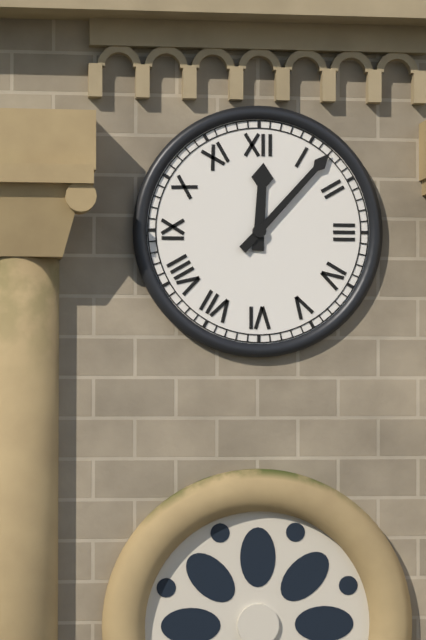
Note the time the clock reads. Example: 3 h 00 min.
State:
12 h 07 min
